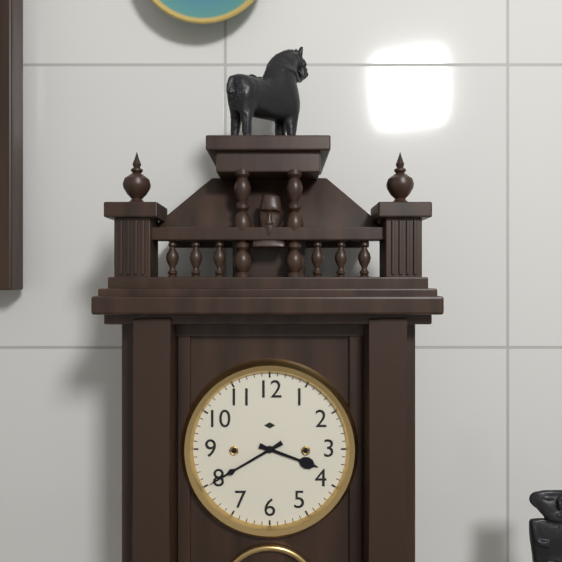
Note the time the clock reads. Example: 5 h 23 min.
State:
3 h 40 min
